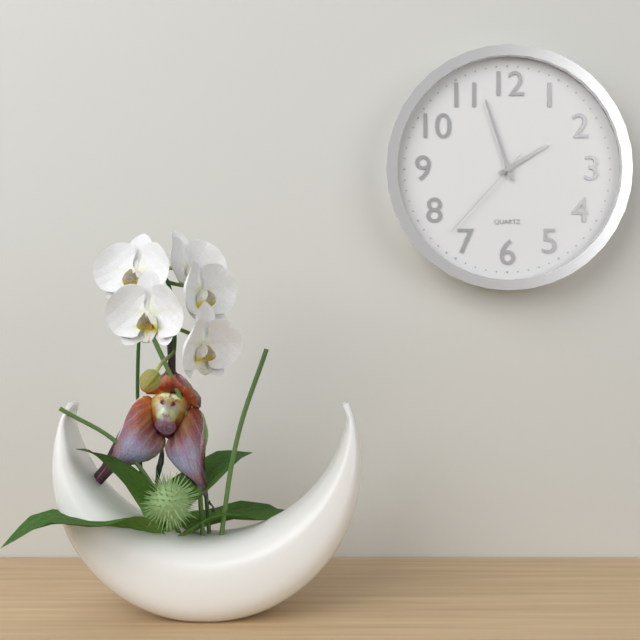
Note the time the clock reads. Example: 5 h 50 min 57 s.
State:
1 h 57 min 37 s
